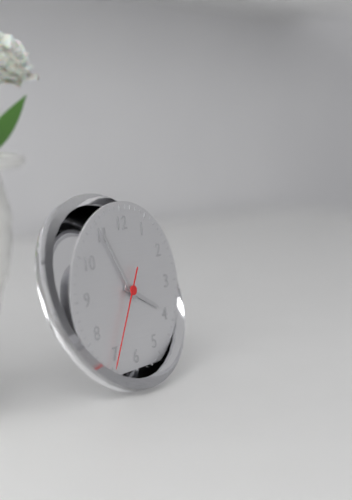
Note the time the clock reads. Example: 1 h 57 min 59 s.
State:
3 h 55 min 35 s
